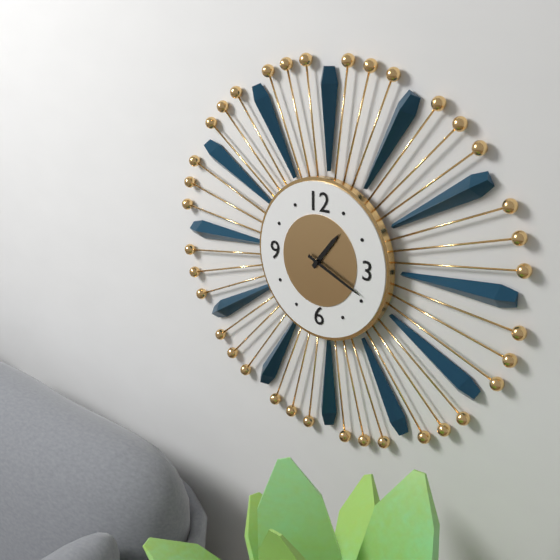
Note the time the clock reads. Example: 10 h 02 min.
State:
1 h 19 min
